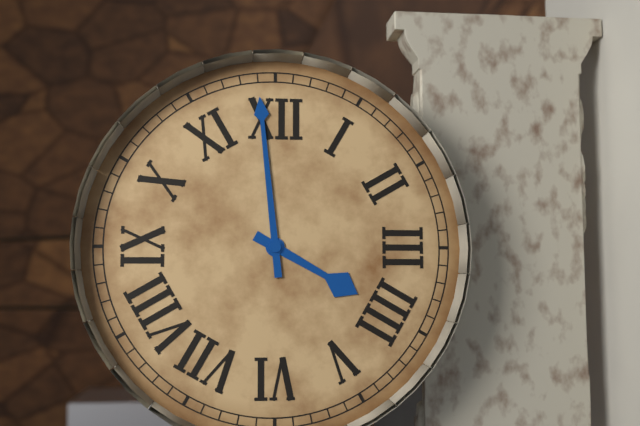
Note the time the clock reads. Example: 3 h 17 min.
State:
3 h 59 min
